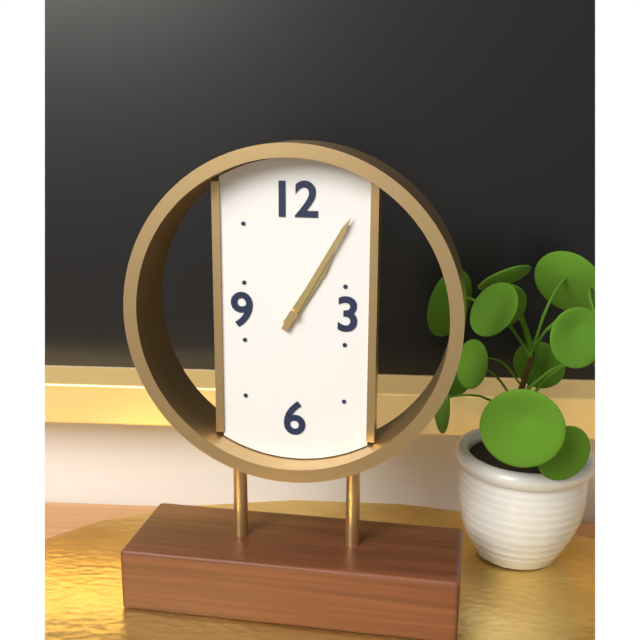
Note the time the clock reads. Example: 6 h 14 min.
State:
1 h 05 min
